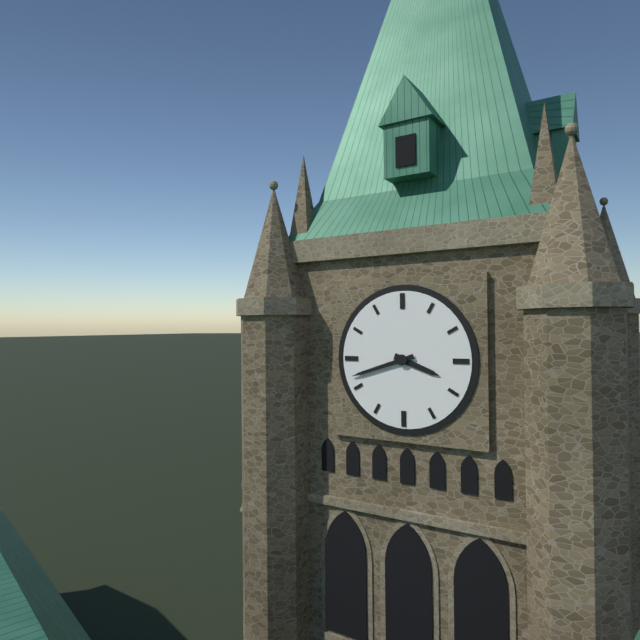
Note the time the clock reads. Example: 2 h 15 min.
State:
3 h 42 min
